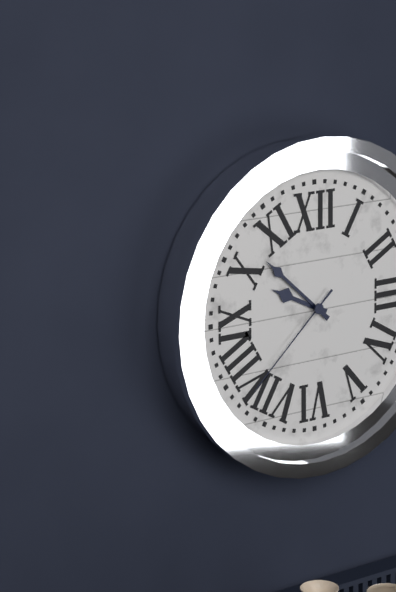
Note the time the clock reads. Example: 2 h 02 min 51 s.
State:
9 h 52 min 38 s
